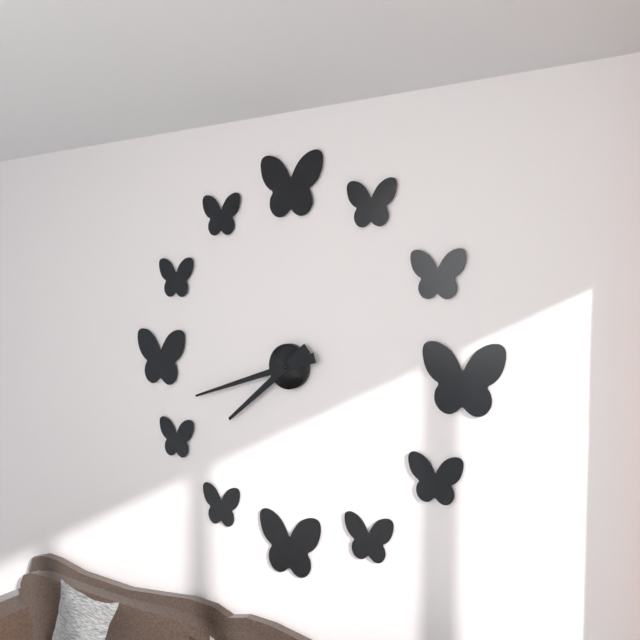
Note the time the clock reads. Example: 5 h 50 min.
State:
7 h 42 min
